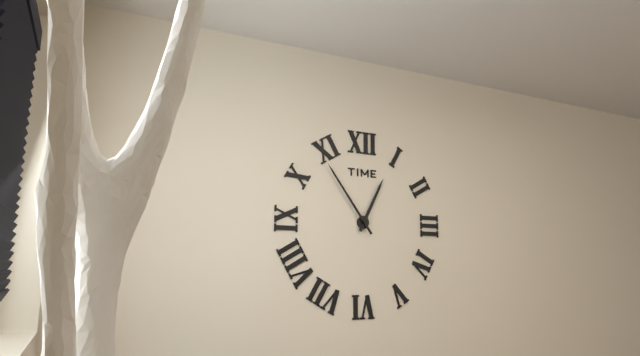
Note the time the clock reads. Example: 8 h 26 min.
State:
12 h 54 min
